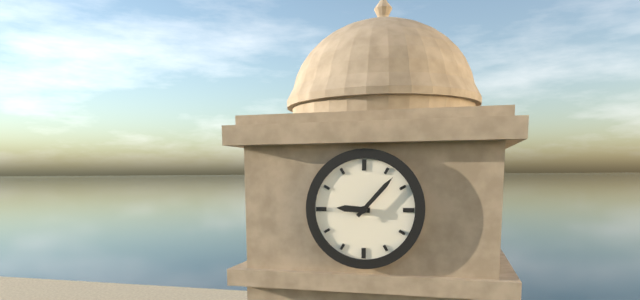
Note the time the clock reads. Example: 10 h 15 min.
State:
9 h 07 min
